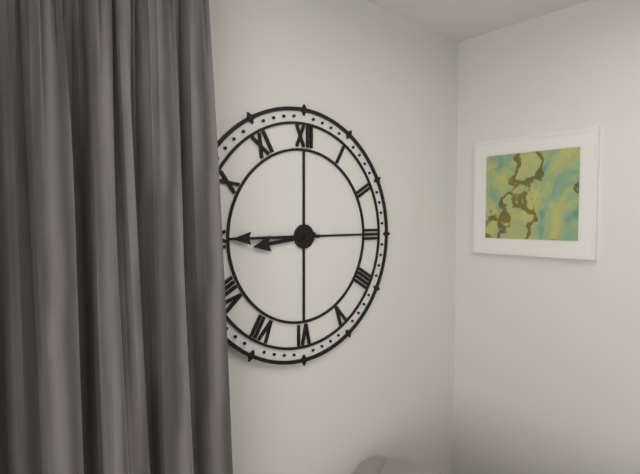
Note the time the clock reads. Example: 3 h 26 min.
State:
8 h 45 min
